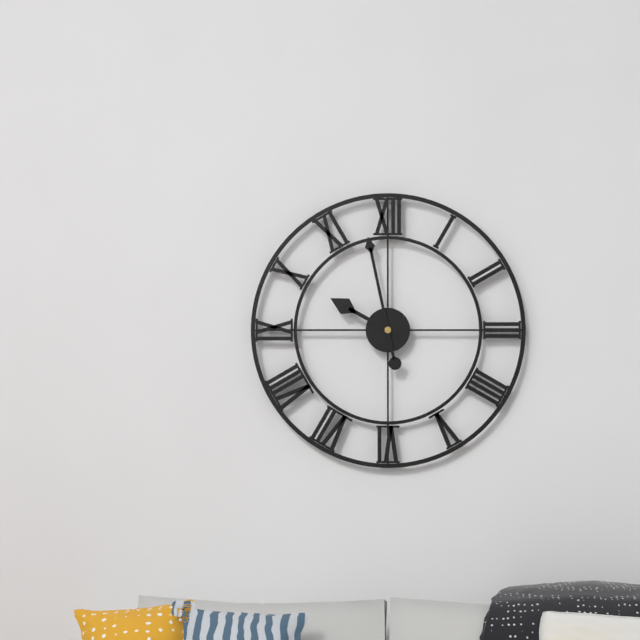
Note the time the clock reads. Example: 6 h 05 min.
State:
9 h 58 min
